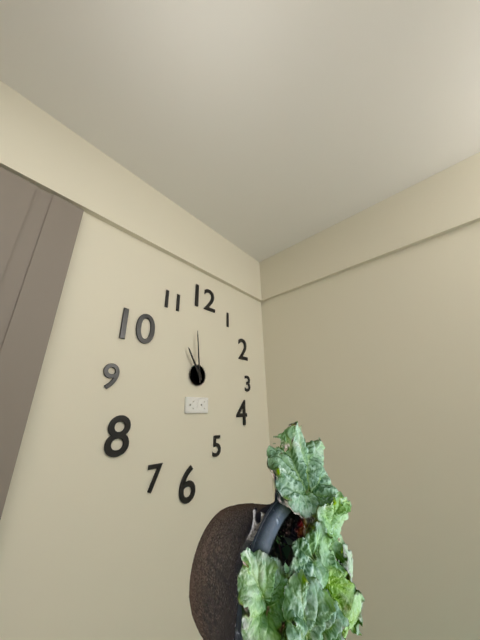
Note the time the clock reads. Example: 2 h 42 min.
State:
10 h 59 min
